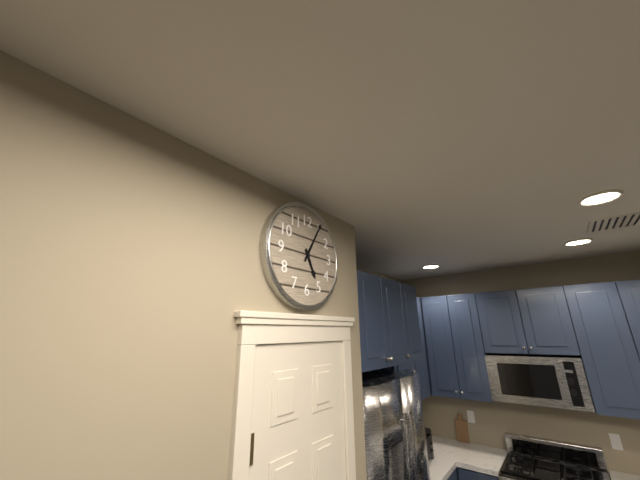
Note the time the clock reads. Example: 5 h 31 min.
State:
5 h 05 min
